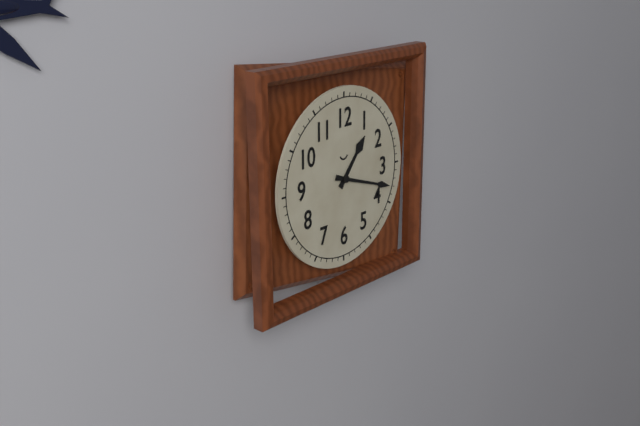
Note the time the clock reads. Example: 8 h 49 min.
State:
1 h 18 min
